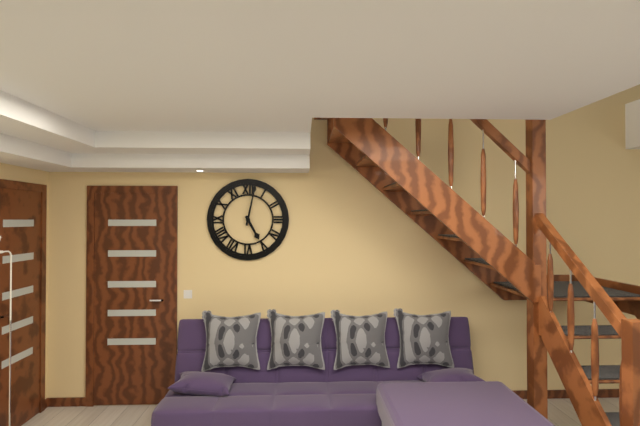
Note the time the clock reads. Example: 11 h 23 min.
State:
5 h 02 min
